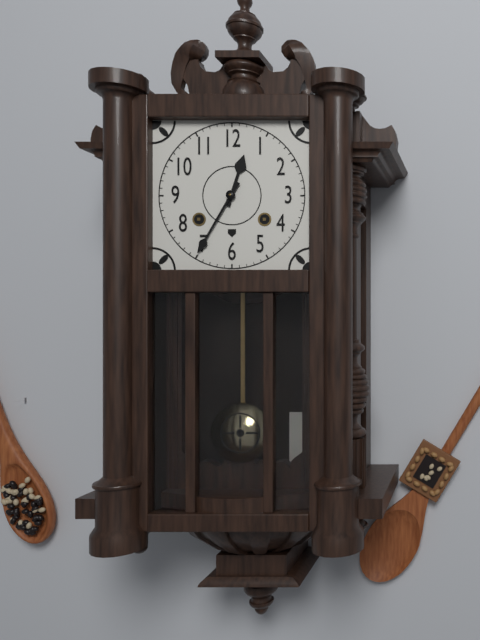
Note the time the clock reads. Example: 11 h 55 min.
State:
12 h 35 min
